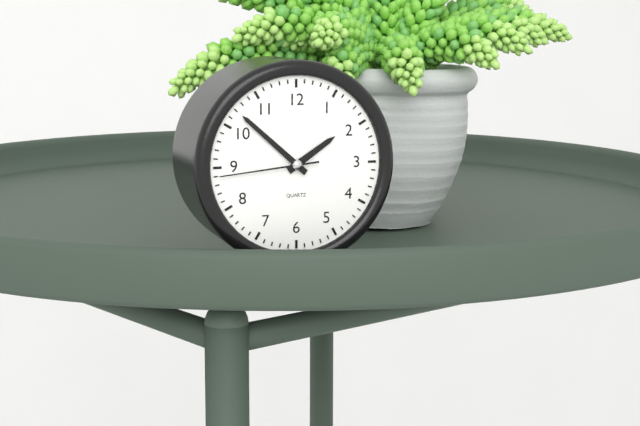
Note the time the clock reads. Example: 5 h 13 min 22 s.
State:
1 h 52 min 44 s
